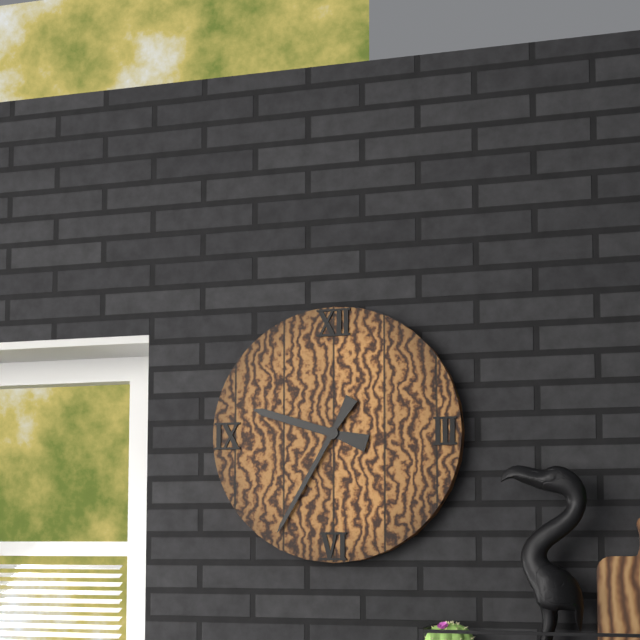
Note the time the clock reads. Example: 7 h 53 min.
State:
9 h 35 min
